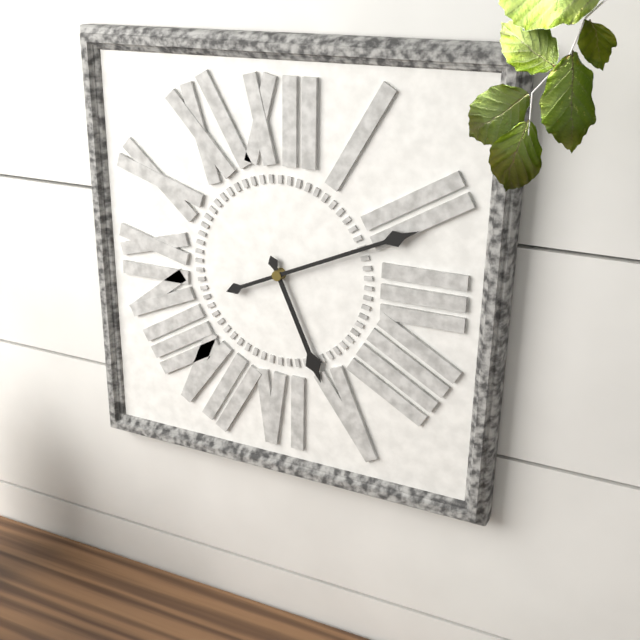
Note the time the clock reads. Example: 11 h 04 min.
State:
5 h 11 min
